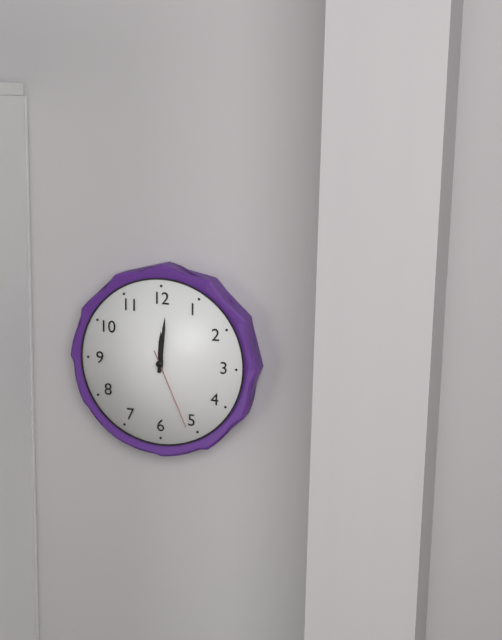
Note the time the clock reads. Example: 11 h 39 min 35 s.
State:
12 h 01 min 26 s
